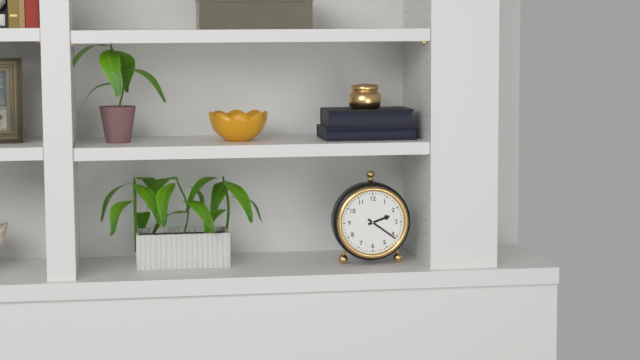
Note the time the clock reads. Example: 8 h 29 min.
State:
2 h 21 min
